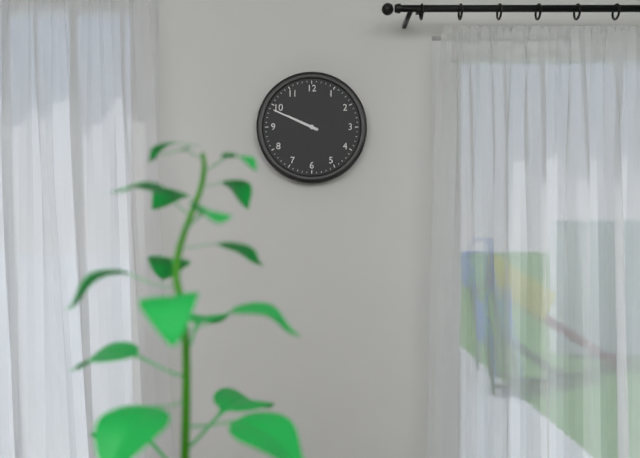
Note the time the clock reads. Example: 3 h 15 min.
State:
9 h 49 min
